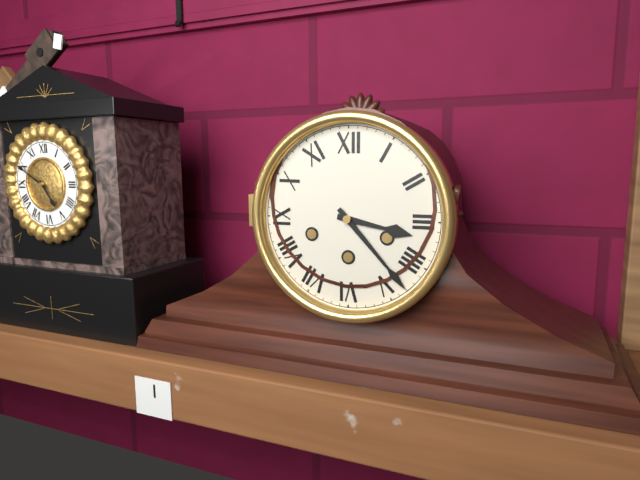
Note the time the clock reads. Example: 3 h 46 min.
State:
3 h 23 min
